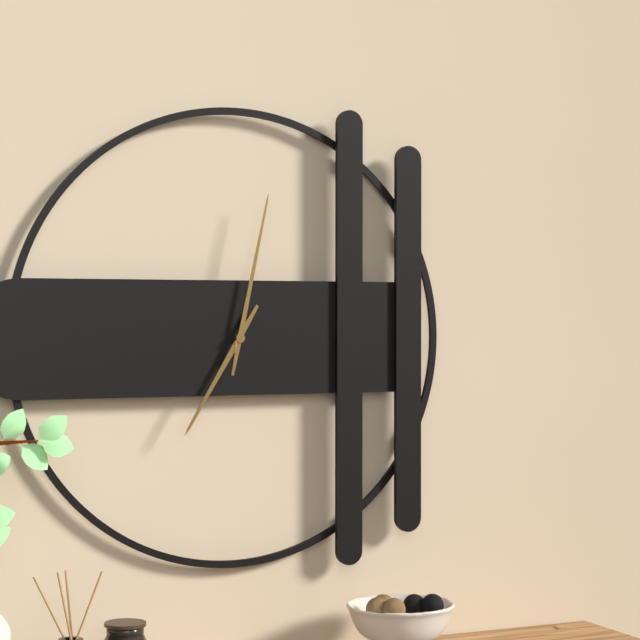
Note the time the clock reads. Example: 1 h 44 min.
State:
7 h 02 min
